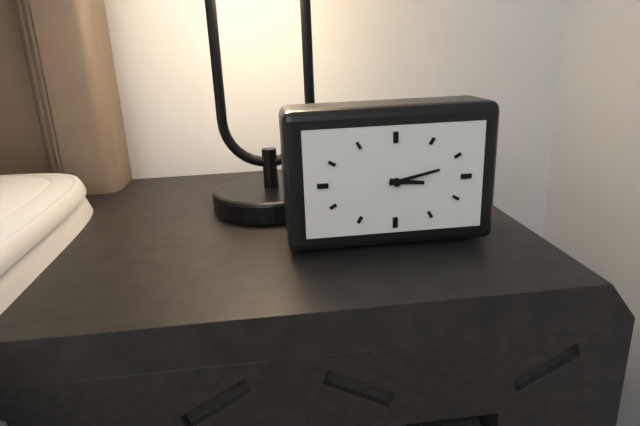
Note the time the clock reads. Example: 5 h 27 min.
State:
3 h 13 min
